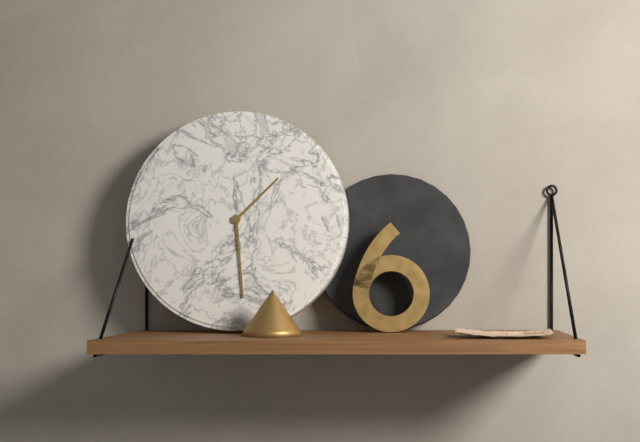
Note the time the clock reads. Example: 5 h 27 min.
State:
1 h 29 min
